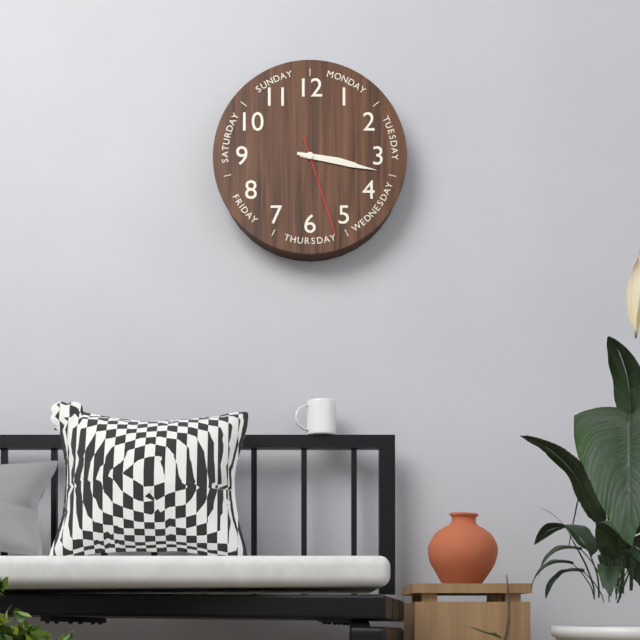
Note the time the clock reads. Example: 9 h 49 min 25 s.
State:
3 h 17 min 27 s
